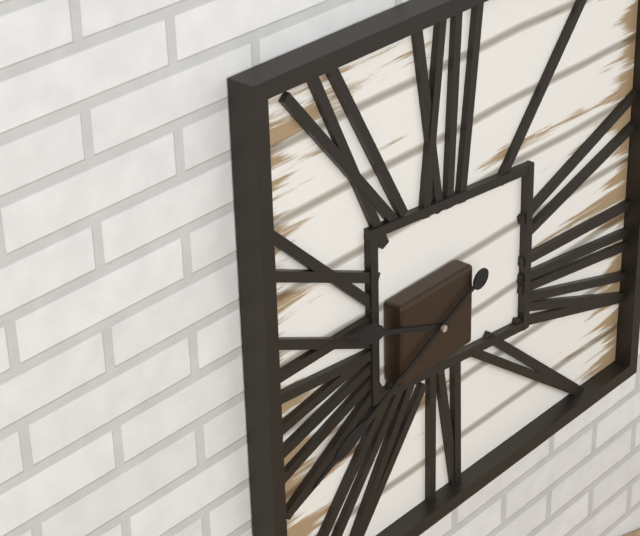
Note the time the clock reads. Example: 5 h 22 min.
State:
9 h 41 min
